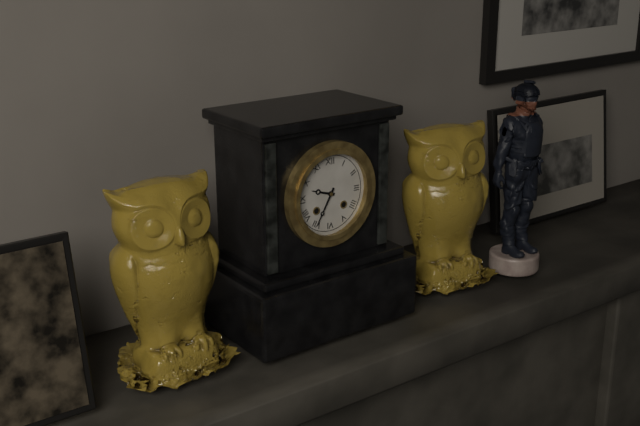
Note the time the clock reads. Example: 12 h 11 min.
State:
9 h 35 min
